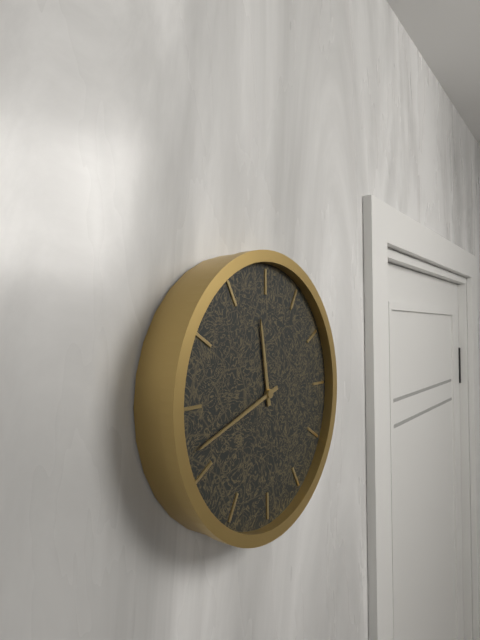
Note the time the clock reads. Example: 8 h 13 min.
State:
11 h 42 min
